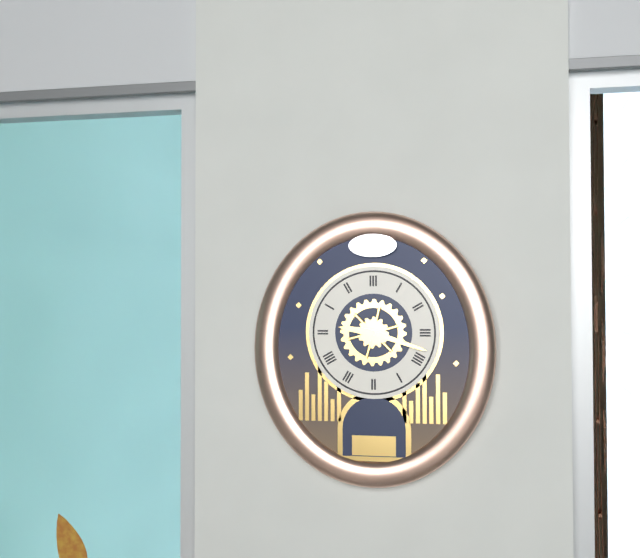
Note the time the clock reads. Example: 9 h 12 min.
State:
9 h 18 min
